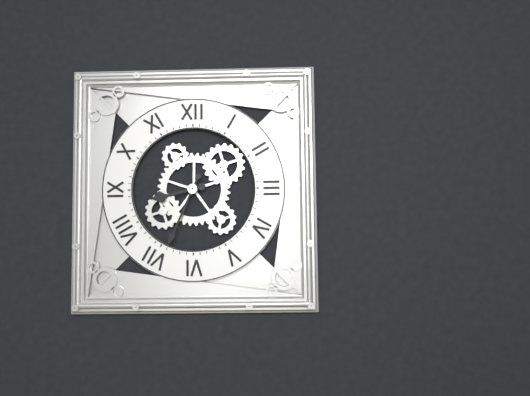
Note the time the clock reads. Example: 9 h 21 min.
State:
8 h 34 min
